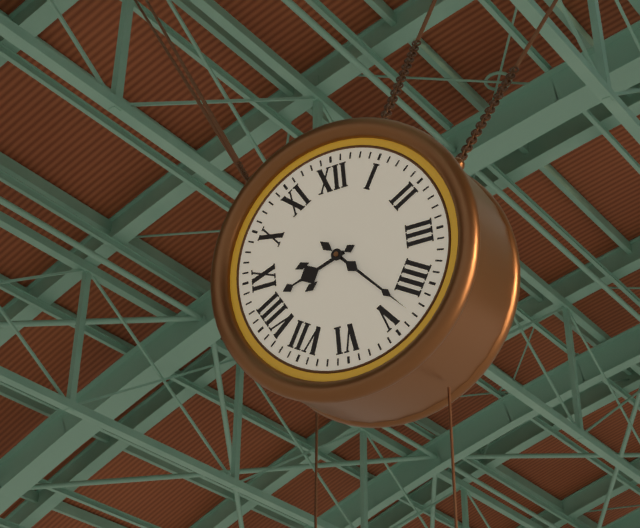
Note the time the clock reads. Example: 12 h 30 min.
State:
8 h 23 min
